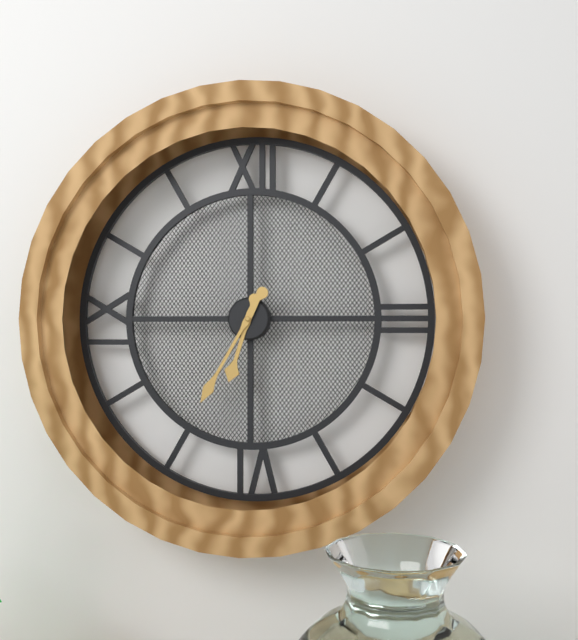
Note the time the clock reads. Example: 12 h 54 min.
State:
6 h 35 min
